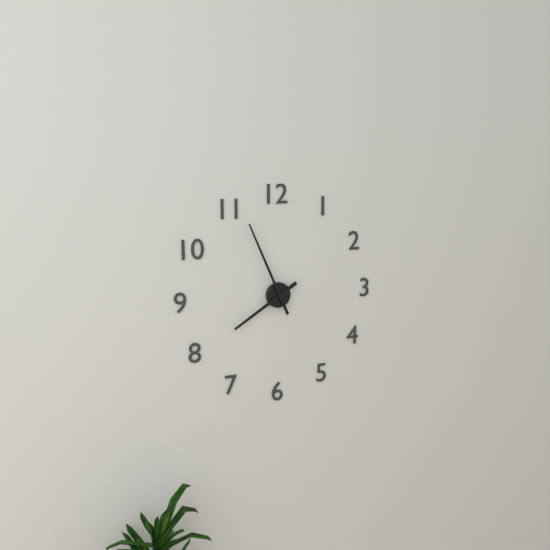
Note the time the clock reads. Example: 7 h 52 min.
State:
7 h 56 min
